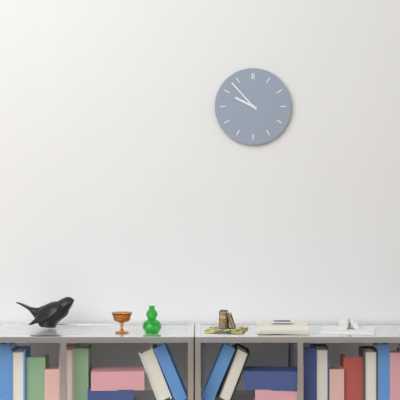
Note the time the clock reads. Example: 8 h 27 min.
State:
9 h 53 min
